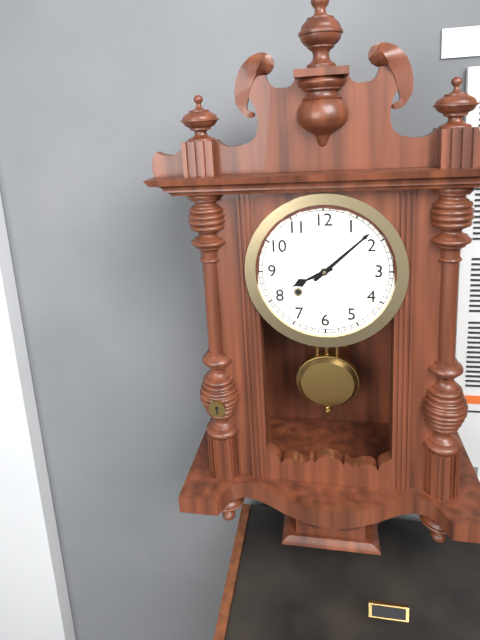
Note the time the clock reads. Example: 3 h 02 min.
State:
8 h 08 min
